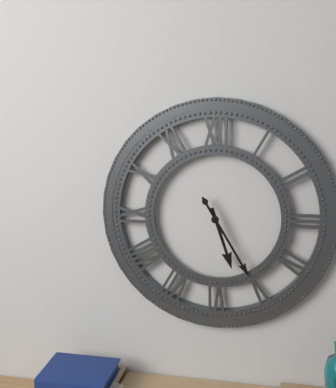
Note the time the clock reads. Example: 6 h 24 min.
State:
5 h 25 min
